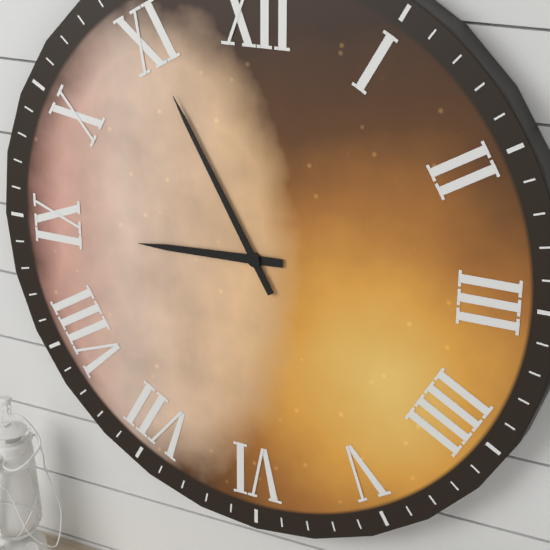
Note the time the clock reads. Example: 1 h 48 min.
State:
8 h 55 min
